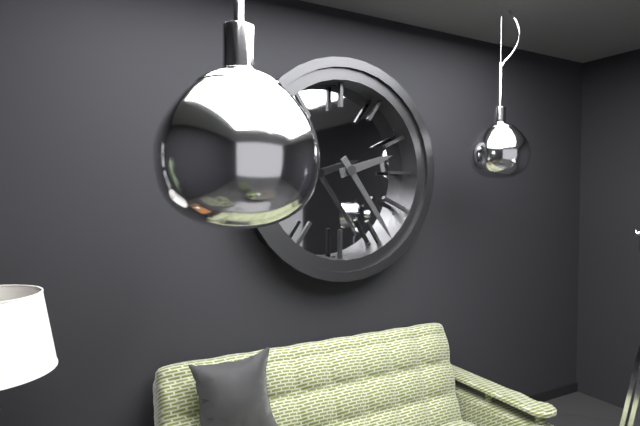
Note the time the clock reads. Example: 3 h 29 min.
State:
2 h 24 min
